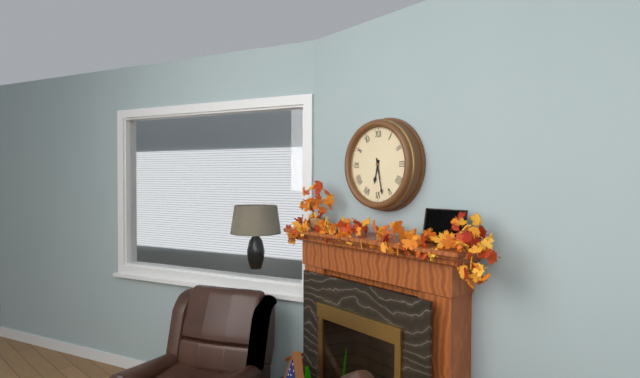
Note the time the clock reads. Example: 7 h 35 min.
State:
6 h 28 min
